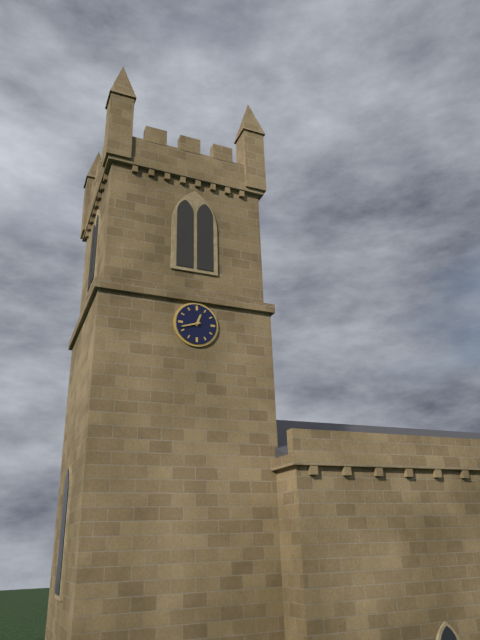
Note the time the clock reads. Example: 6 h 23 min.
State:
12 h 42 min
